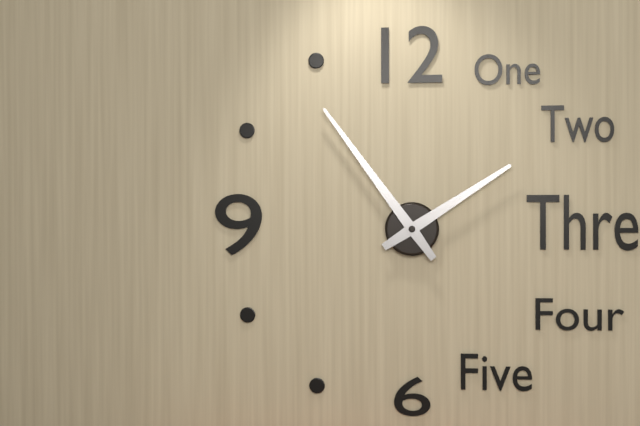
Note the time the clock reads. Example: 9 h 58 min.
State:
1 h 54 min
